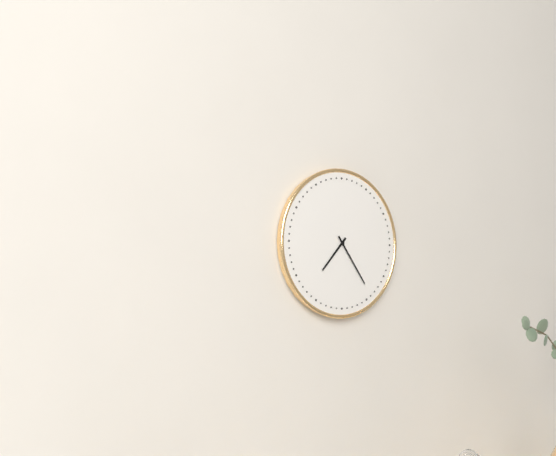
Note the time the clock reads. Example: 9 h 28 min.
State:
7 h 24 min
